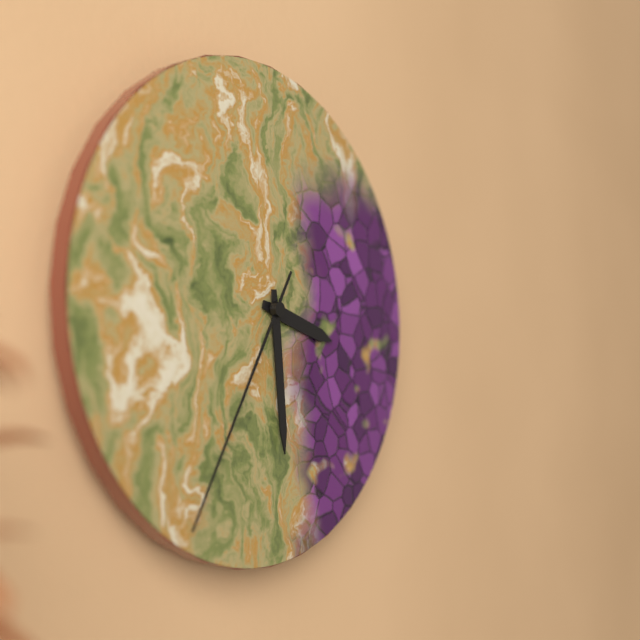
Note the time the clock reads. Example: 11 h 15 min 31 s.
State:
3 h 29 min 35 s
